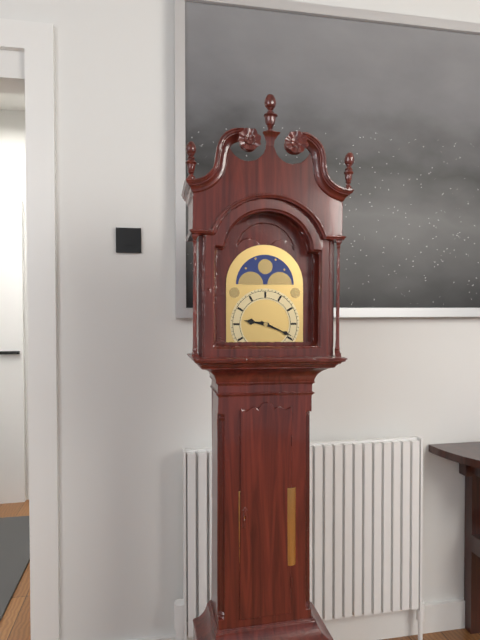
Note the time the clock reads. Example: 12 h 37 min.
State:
9 h 19 min
